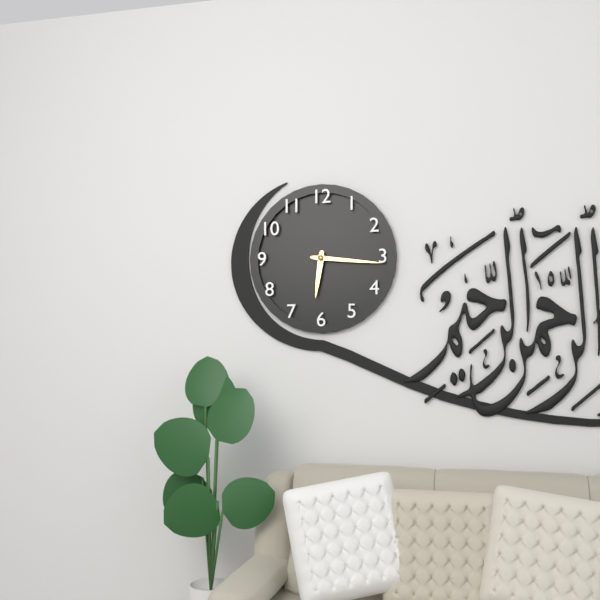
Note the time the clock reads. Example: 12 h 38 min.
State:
6 h 16 min
